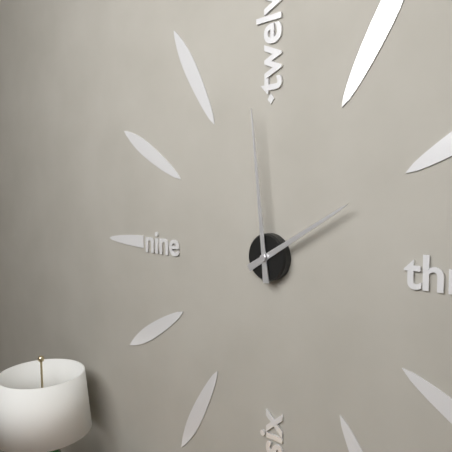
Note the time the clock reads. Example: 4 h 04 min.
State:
1 h 59 min
